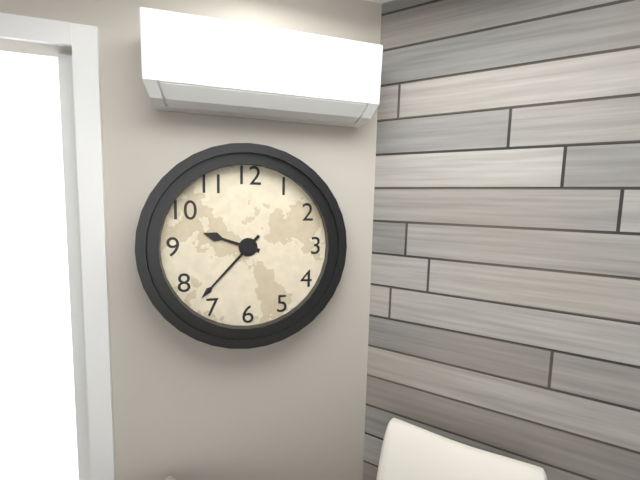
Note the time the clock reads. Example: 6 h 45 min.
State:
9 h 37 min
